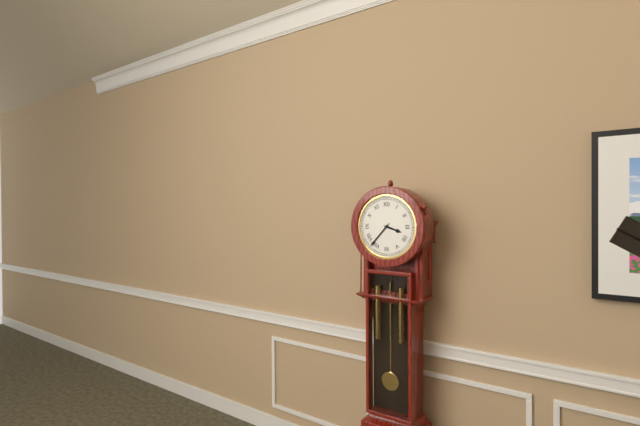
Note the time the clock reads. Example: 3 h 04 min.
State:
3 h 37 min
